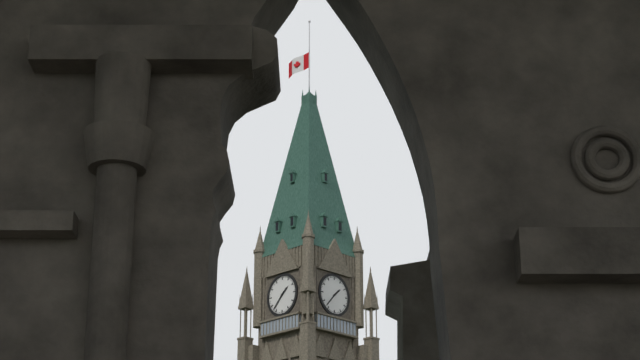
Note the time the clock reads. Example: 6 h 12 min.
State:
1 h 37 min
